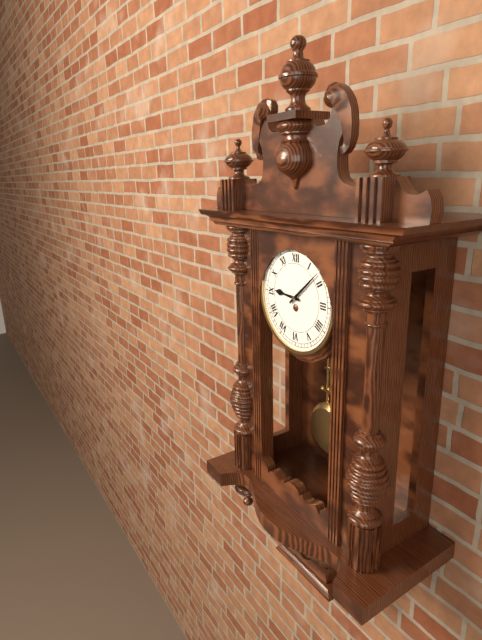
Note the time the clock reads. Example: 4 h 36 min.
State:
9 h 08 min
